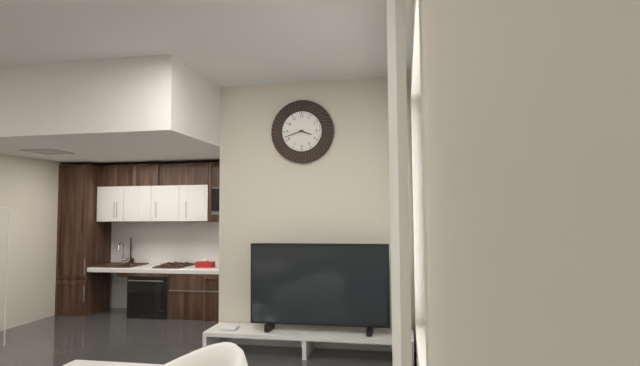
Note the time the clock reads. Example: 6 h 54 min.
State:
3 h 42 min
